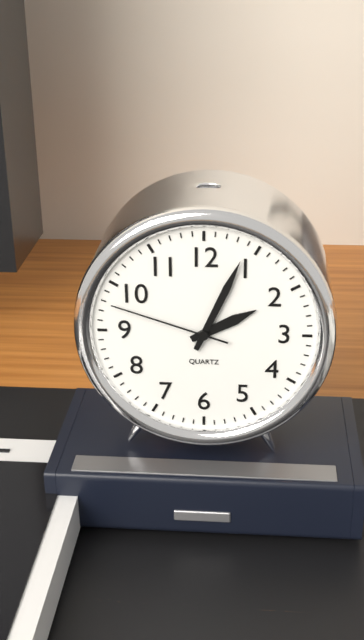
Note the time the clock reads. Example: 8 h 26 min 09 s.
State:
2 h 04 min 48 s
